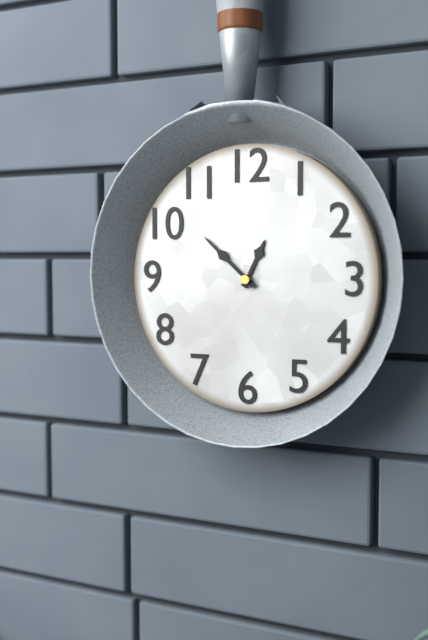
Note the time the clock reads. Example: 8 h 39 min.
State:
12 h 52 min
